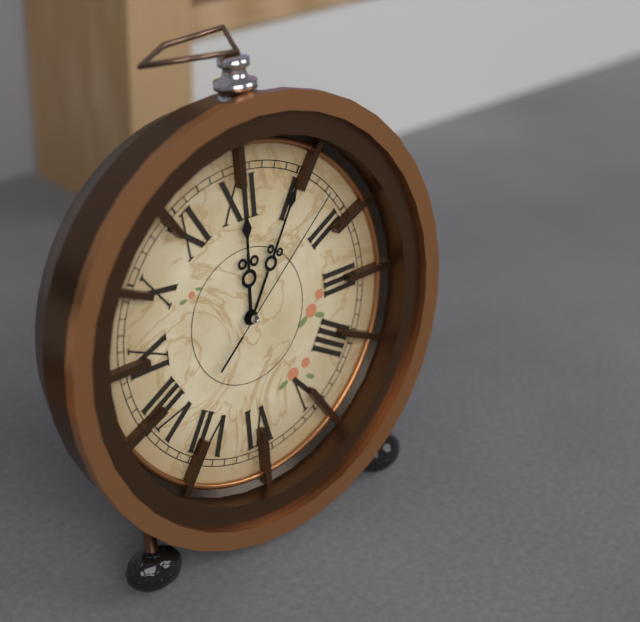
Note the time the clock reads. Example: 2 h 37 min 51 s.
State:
12 h 05 min 08 s
